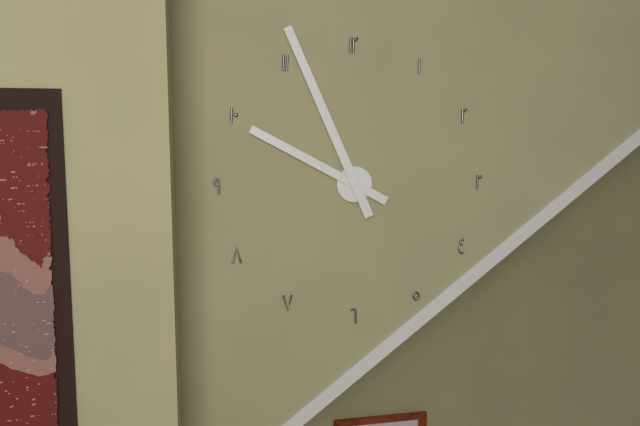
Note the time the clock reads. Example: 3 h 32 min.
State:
9 h 56 min
